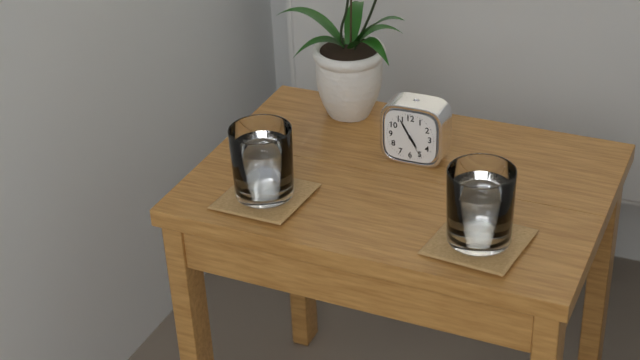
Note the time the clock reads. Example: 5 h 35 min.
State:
4 h 55 min
